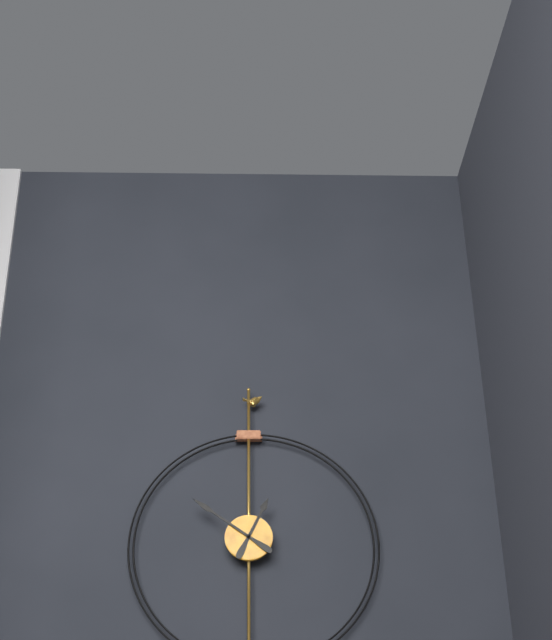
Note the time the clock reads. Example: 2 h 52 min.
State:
12 h 51 min
